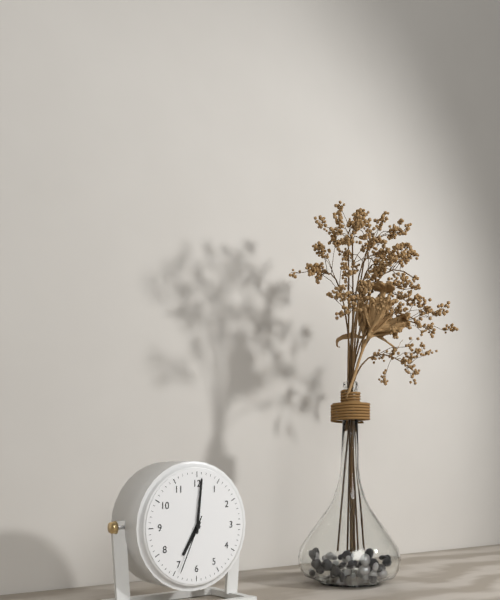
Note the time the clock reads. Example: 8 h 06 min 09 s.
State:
7 h 01 min 34 s
